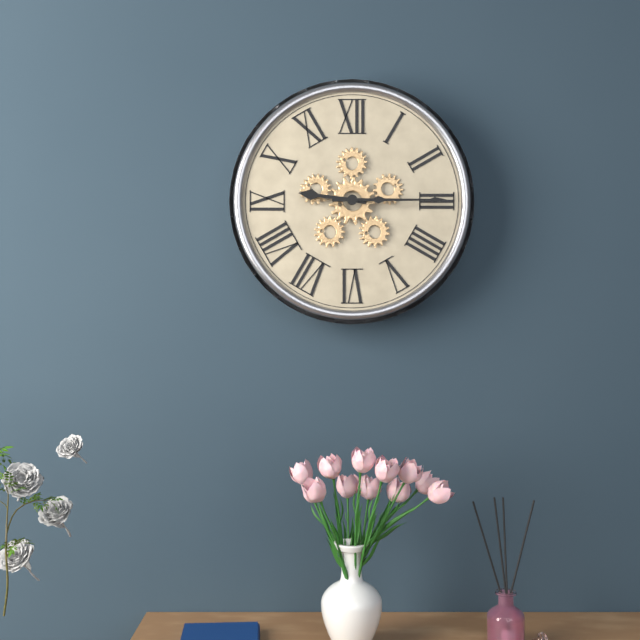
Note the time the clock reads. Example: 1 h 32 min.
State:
9 h 15 min
